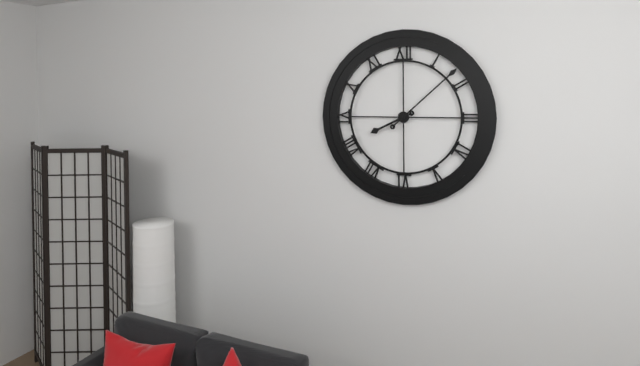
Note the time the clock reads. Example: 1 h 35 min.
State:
8 h 08 min
